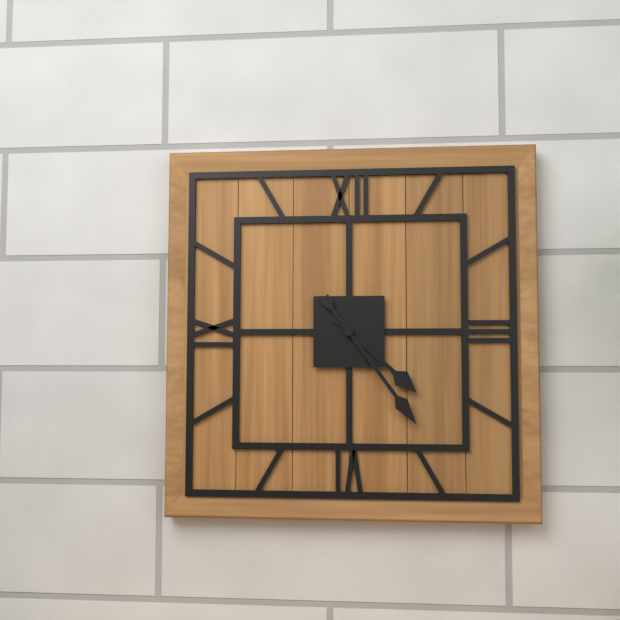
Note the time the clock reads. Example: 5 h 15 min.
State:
4 h 24 min
